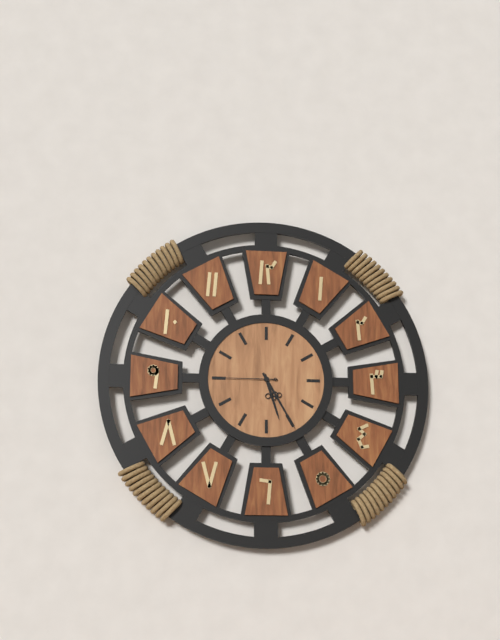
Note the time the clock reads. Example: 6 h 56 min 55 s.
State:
5 h 25 min 45 s
